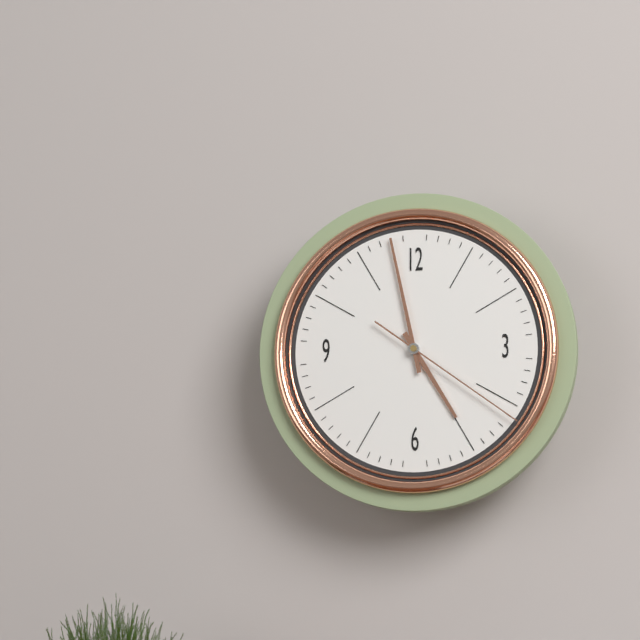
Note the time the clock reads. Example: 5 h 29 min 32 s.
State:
4 h 58 min 21 s
